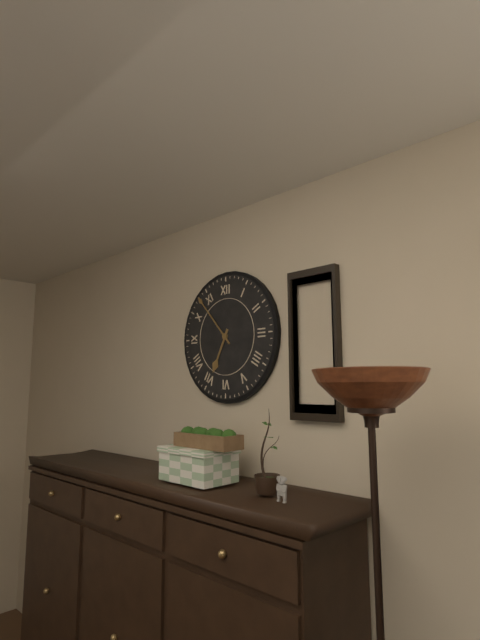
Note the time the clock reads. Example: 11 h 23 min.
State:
6 h 53 min
